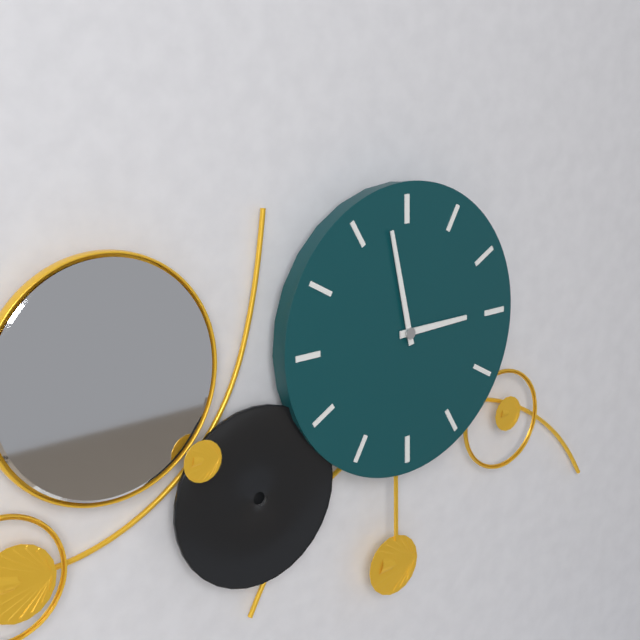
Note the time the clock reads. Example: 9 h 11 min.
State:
2 h 58 min
